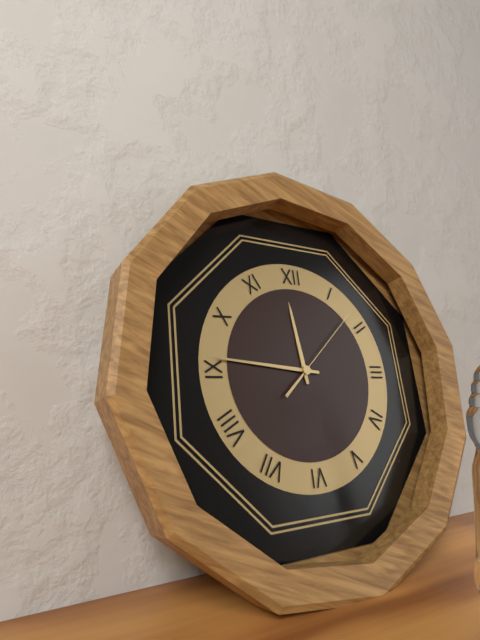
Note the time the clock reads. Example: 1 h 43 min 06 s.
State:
11 h 46 min 08 s
